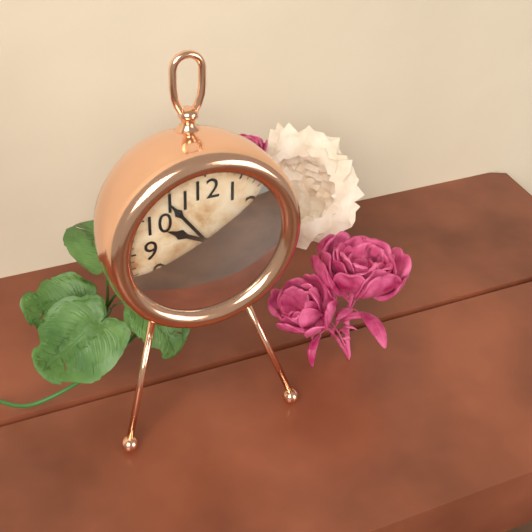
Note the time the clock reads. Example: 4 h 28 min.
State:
9 h 54 min
